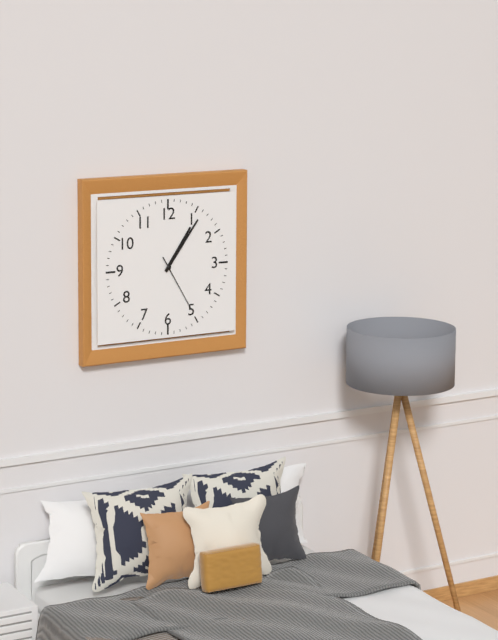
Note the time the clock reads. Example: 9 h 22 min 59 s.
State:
1 h 06 min 25 s
